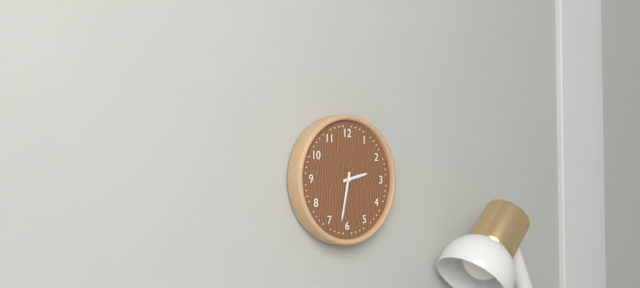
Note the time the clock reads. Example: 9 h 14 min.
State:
2 h 32 min
